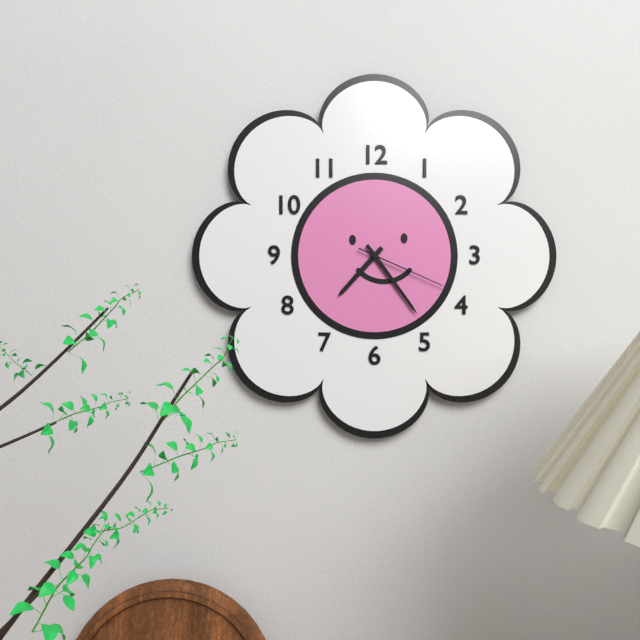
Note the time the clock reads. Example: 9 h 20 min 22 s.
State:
7 h 24 min 19 s
